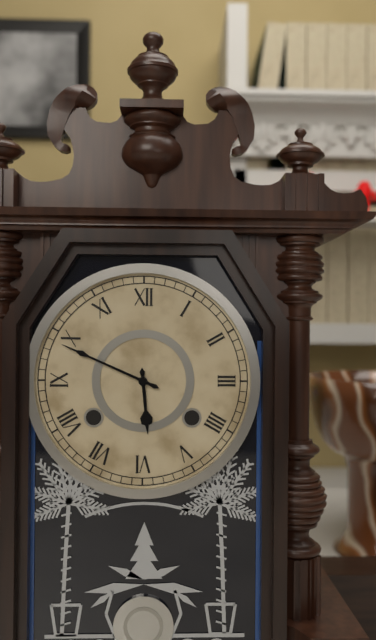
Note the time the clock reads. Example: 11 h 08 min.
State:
5 h 49 min
